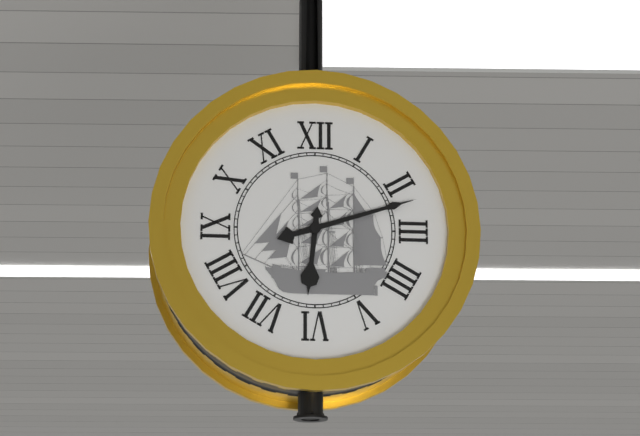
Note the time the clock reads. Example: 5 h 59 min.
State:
6 h 12 min
